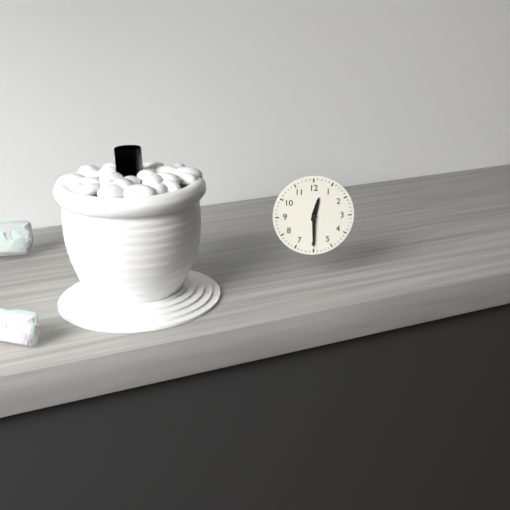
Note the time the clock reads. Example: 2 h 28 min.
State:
12 h 30 min
